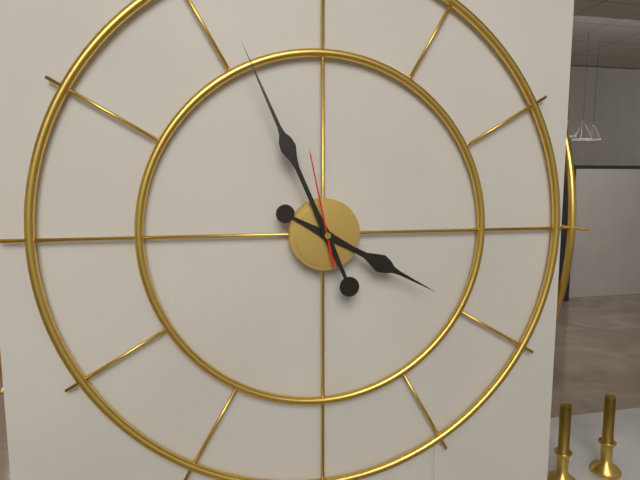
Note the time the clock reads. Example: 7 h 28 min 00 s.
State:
3 h 56 min 58 s
